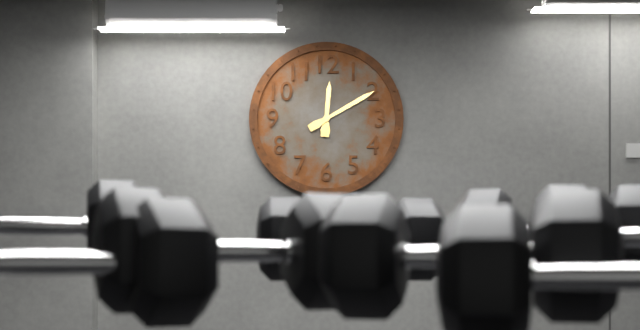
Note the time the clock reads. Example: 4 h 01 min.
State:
12 h 10 min
